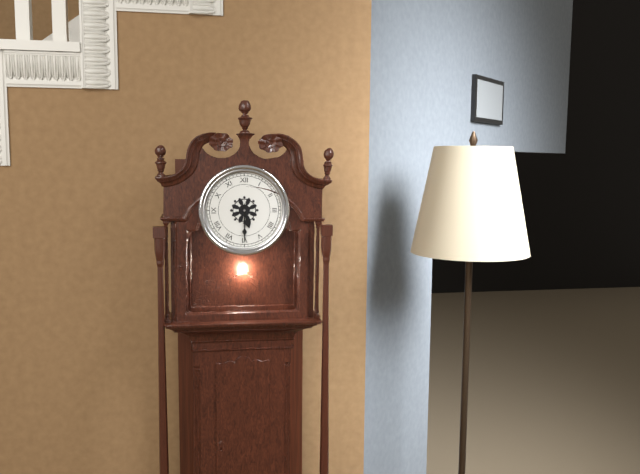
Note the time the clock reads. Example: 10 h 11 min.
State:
5 h 30 min
